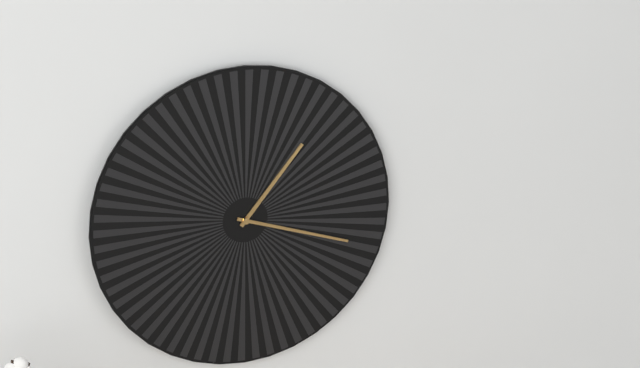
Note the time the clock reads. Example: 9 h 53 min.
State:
1 h 18 min
